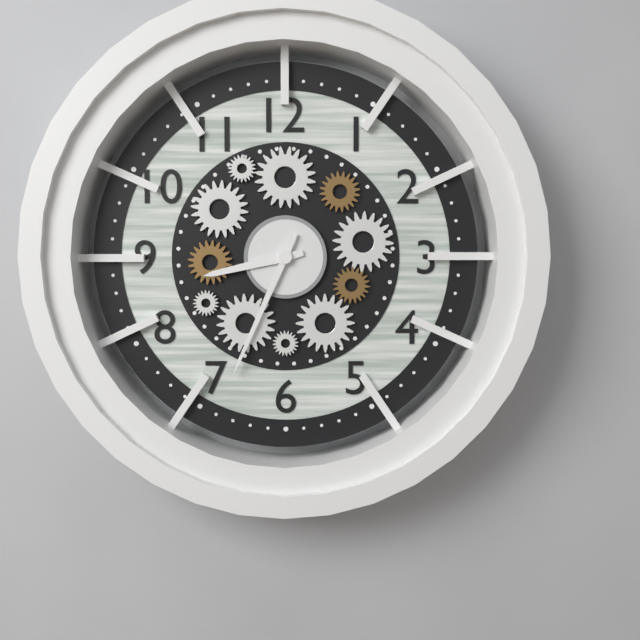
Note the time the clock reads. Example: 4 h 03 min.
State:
8 h 34 min
